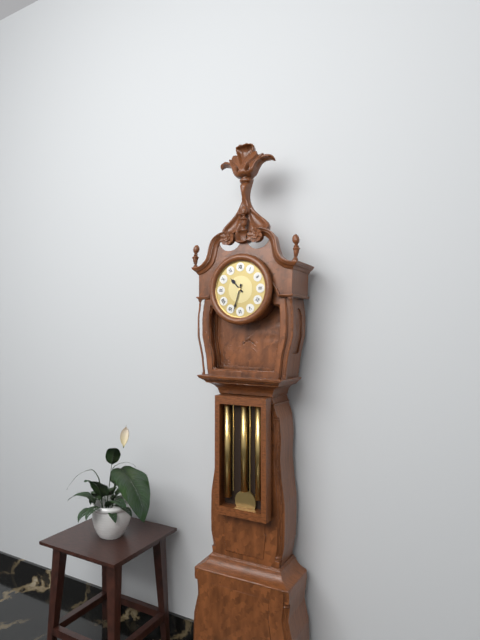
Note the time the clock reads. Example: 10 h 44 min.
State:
10 h 33 min
